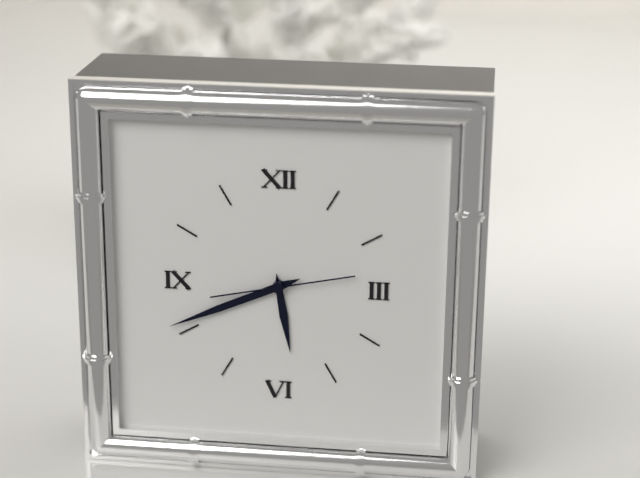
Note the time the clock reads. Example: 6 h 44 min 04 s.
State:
5 h 41 min 13 s
